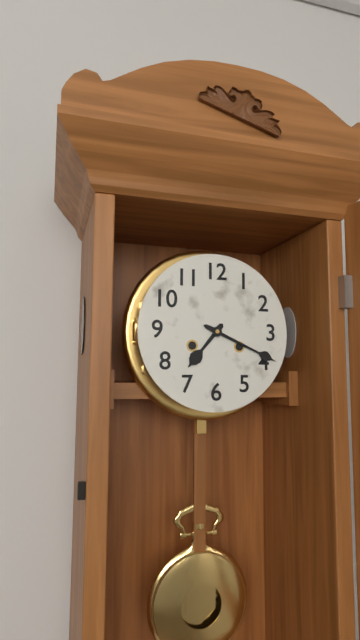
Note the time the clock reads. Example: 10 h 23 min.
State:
7 h 19 min
